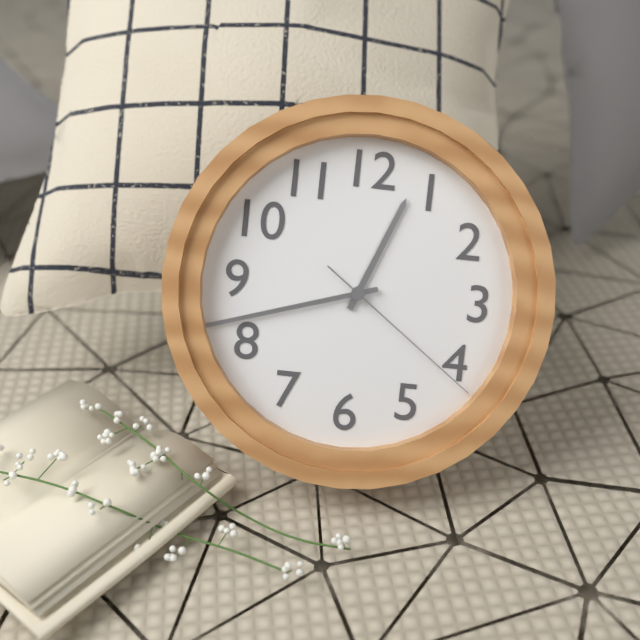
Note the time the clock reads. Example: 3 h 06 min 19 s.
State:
12 h 42 min 21 s
